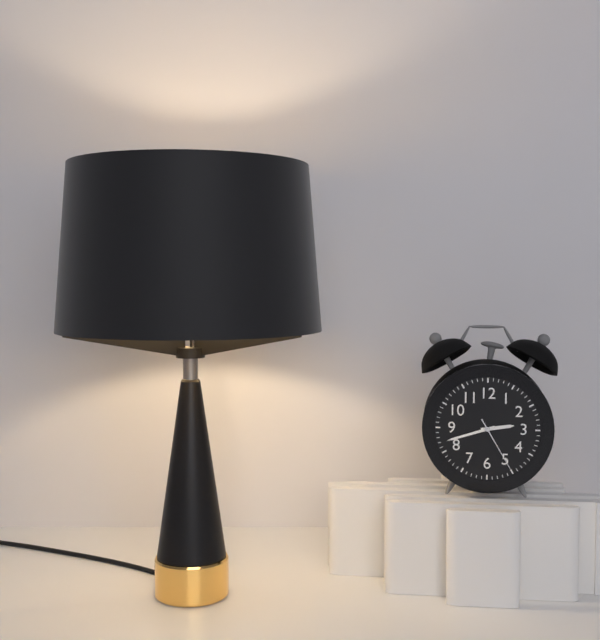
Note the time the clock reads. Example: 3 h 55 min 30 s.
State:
2 h 42 min 25 s
